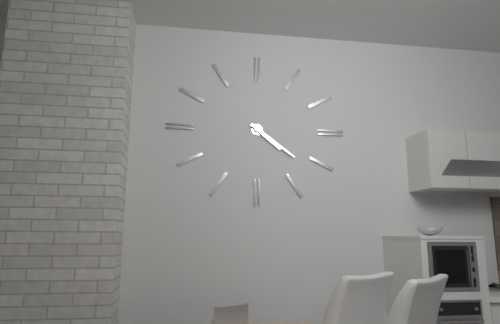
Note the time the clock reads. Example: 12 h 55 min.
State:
4 h 21 min
